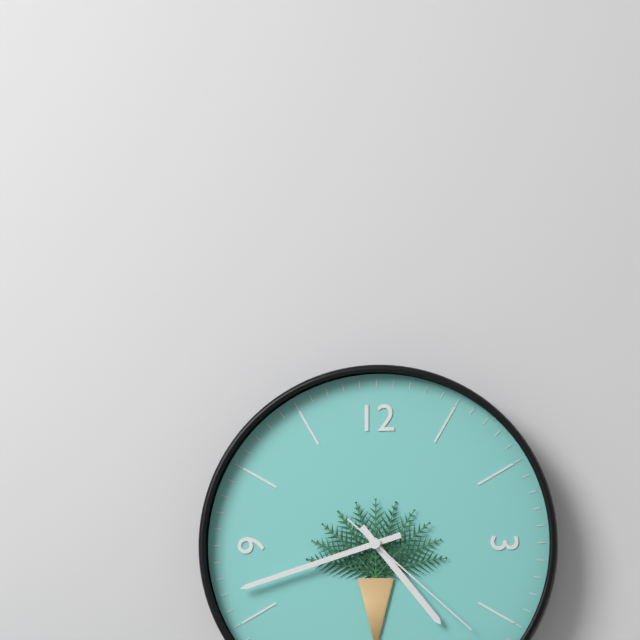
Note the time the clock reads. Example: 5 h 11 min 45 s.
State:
4 h 42 min 22 s
